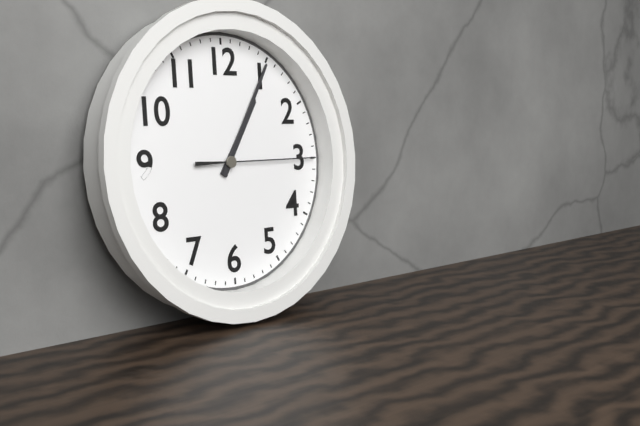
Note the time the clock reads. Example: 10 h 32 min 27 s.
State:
1 h 05 min 15 s
